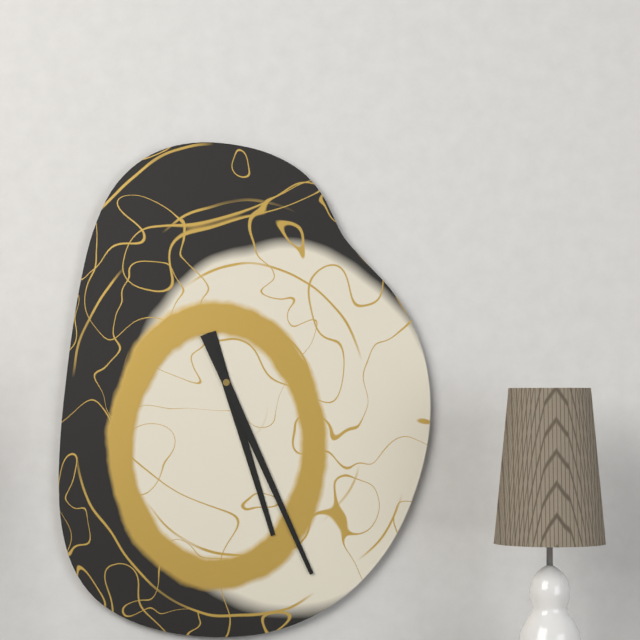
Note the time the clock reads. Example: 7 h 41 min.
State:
5 h 26 min
